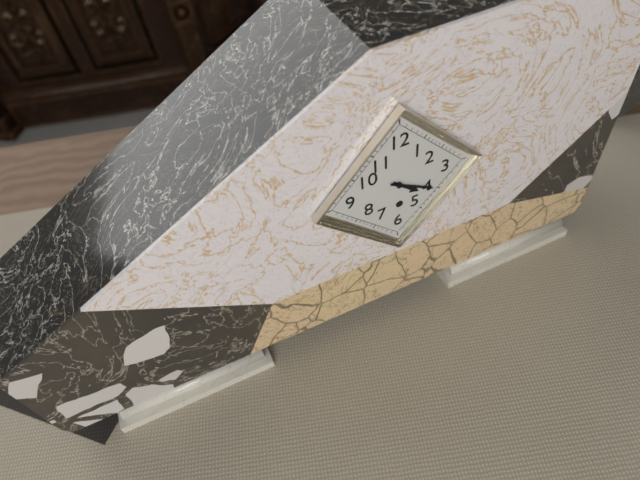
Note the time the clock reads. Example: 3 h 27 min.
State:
4 h 20 min
